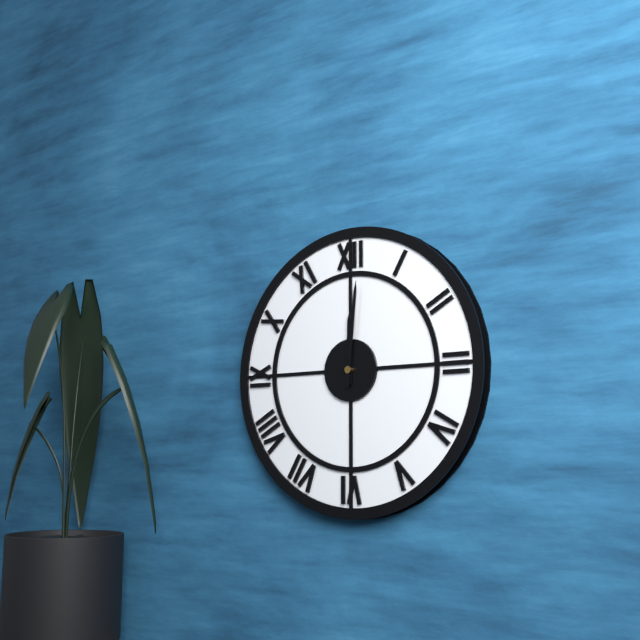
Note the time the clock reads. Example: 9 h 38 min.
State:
12 h 01 min
